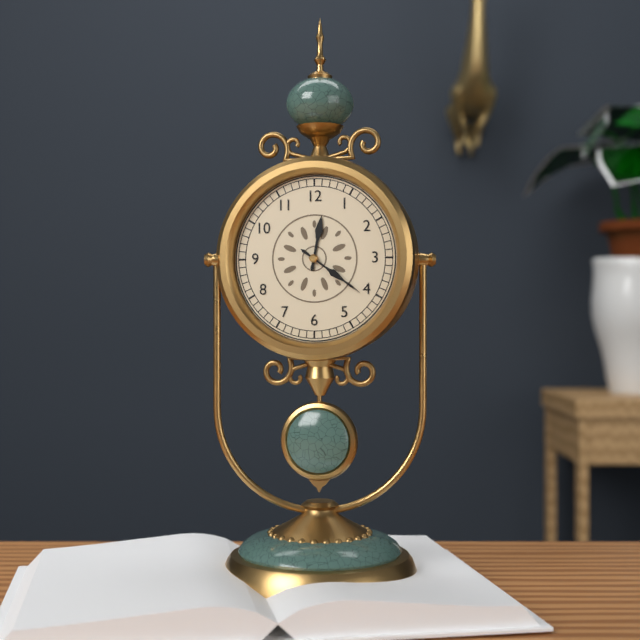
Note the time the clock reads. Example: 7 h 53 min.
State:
12 h 21 min
